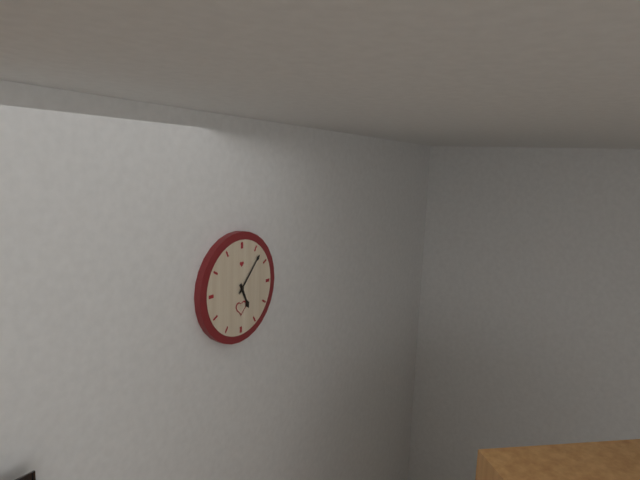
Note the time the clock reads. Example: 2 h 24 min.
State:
5 h 07 min
